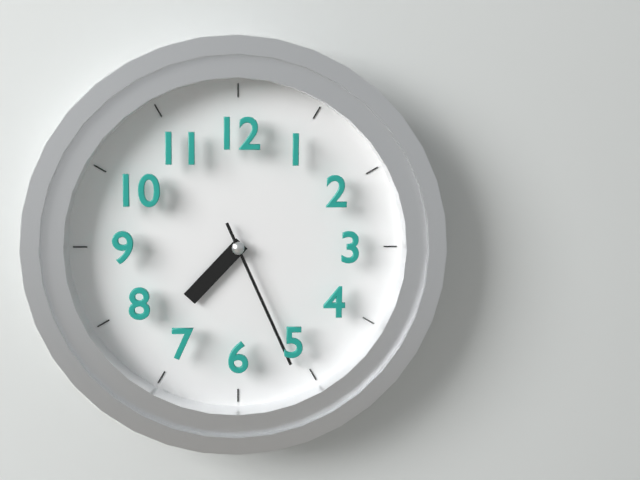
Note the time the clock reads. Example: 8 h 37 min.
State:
7 h 26 min
